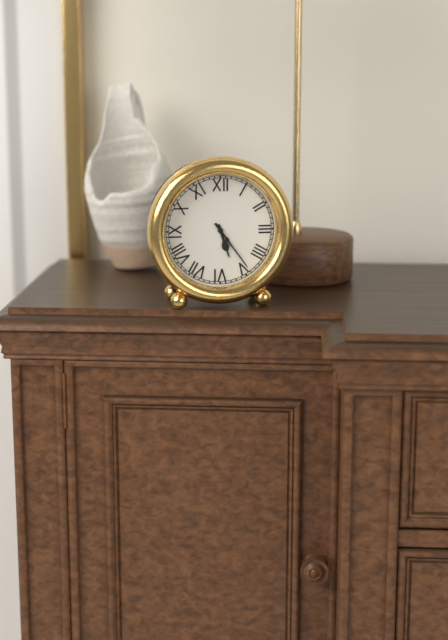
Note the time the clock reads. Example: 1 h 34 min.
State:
5 h 24 min
